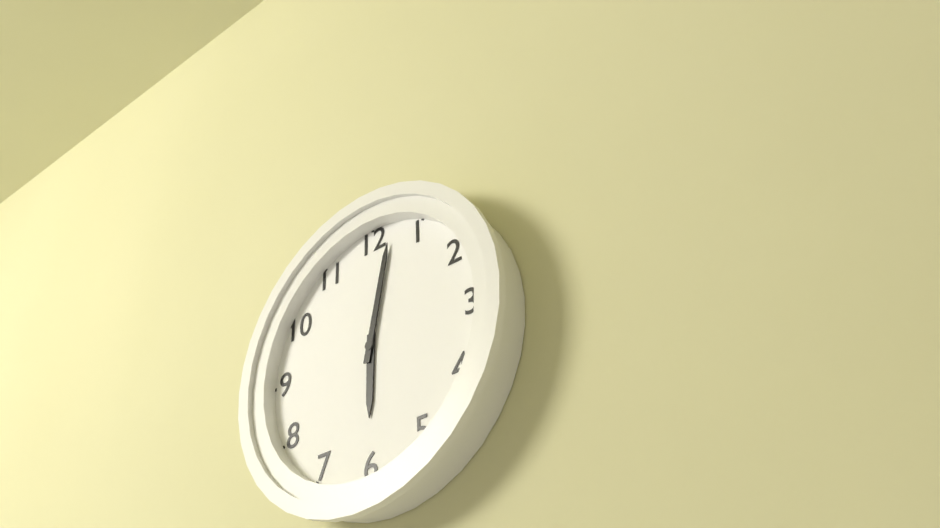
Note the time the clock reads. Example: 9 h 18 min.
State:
6 h 02 min
